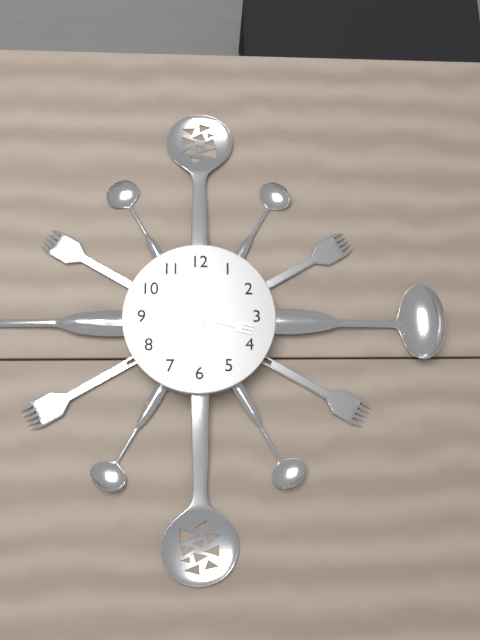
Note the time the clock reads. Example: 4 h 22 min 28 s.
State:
3 h 29 min 55 s
